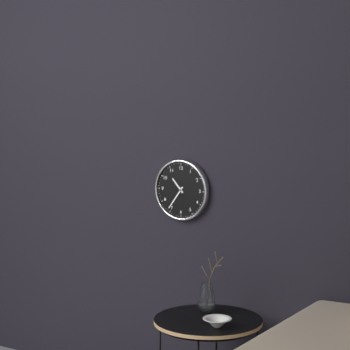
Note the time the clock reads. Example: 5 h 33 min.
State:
10 h 36 min
